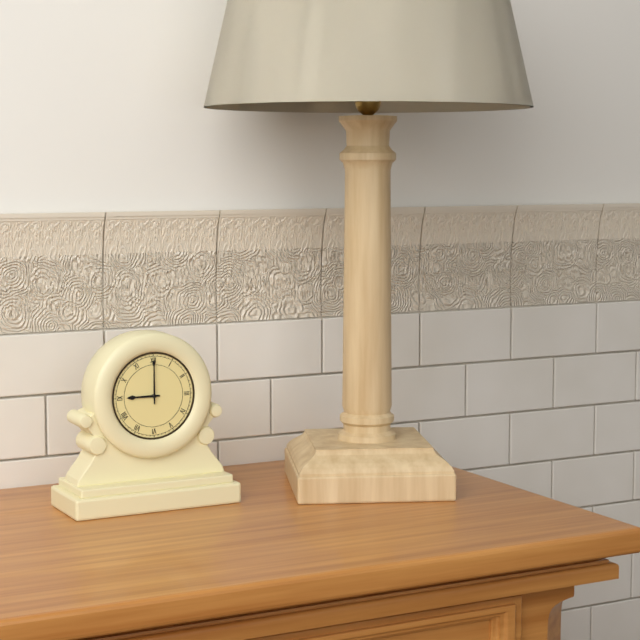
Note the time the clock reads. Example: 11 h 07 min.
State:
9 h 00 min
